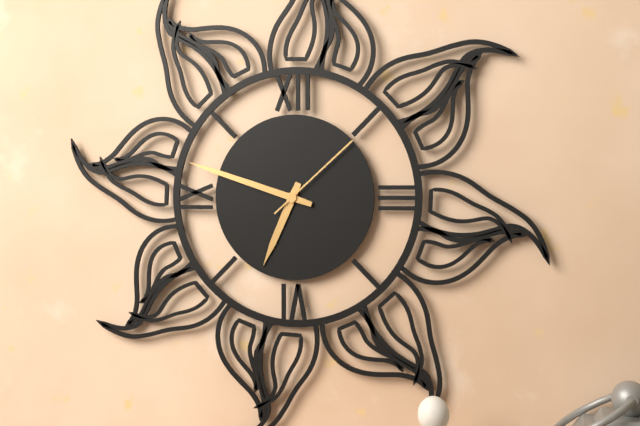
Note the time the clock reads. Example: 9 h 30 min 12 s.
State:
6 h 48 min 08 s
